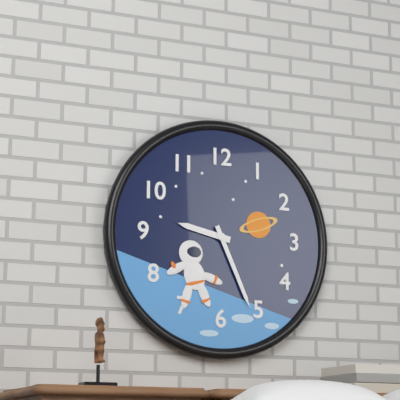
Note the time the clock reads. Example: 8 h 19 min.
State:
9 h 26 min
